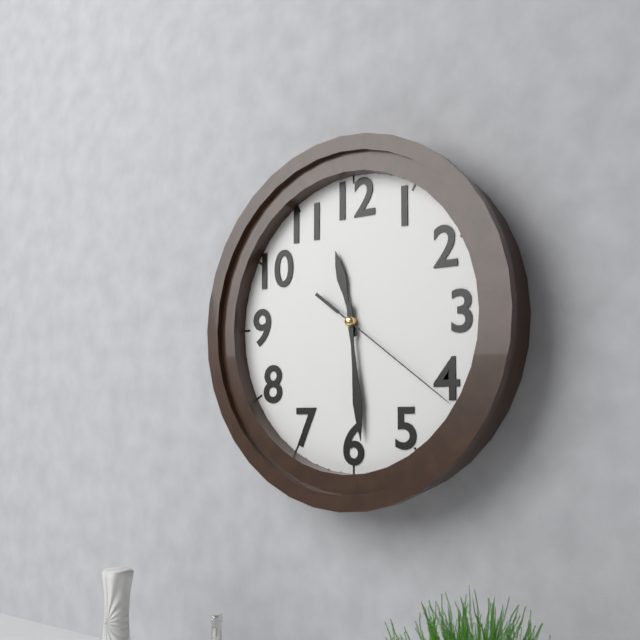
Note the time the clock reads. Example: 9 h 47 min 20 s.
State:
11 h 29 min 21 s
